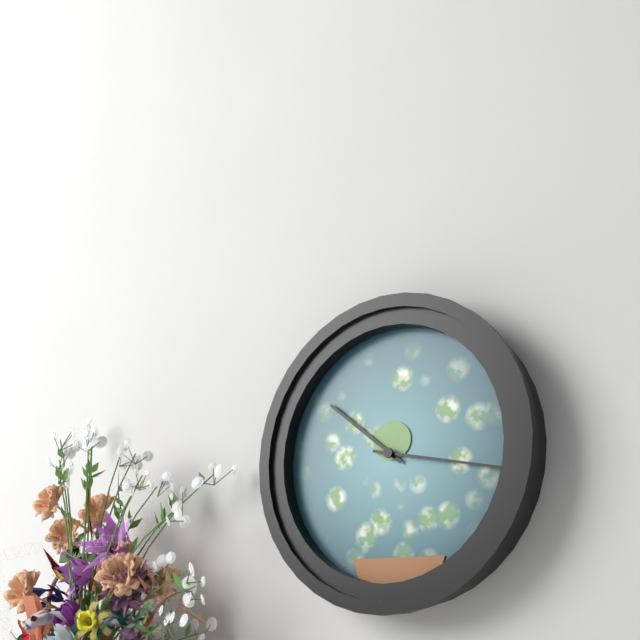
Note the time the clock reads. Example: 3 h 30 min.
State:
10 h 17 min
